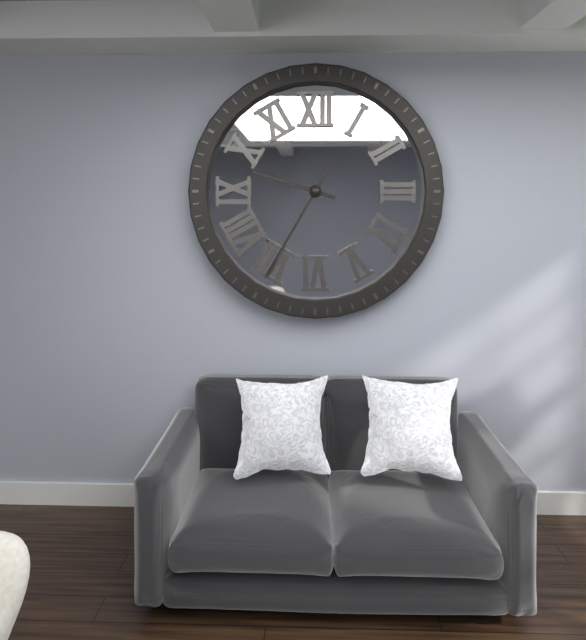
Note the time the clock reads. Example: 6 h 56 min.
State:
9 h 35 min
